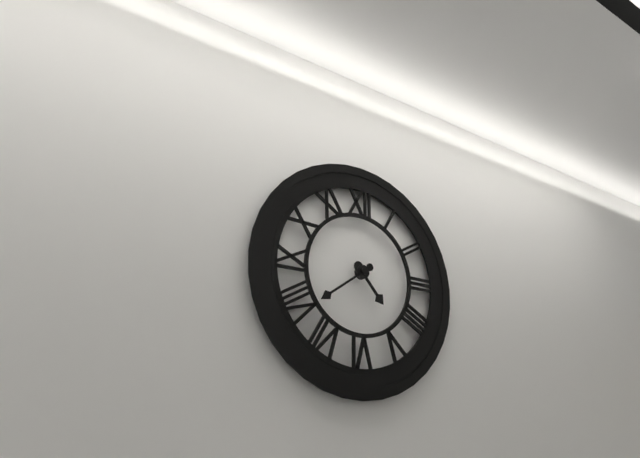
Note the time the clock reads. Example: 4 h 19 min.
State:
4 h 39 min
